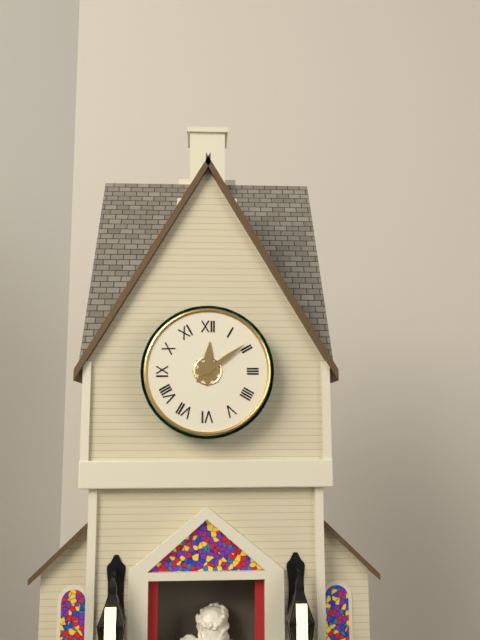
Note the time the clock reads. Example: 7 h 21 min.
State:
12 h 09 min
